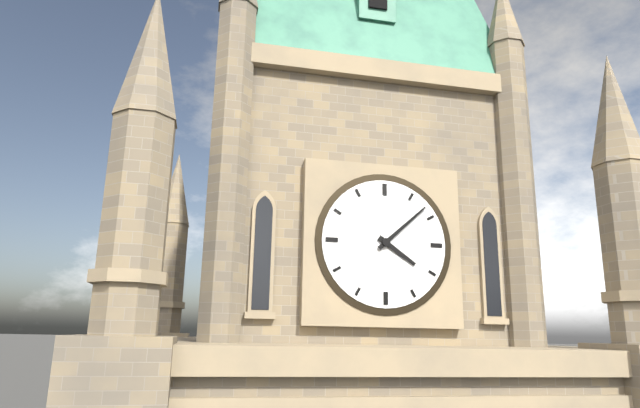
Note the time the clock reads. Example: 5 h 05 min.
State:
4 h 08 min
